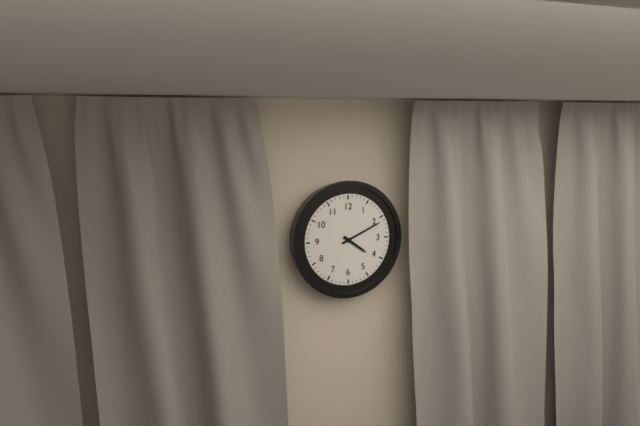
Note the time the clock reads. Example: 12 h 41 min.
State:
4 h 11 min
